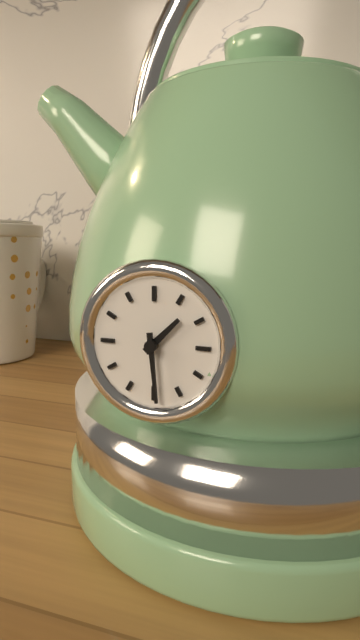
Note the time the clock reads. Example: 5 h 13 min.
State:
1 h 29 min
